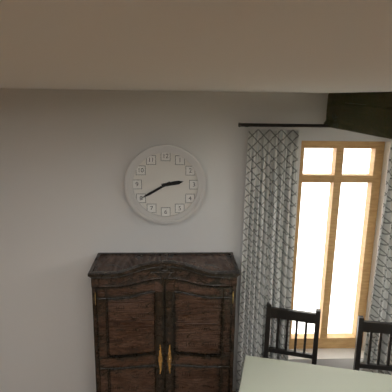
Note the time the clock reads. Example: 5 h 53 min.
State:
2 h 40 min
